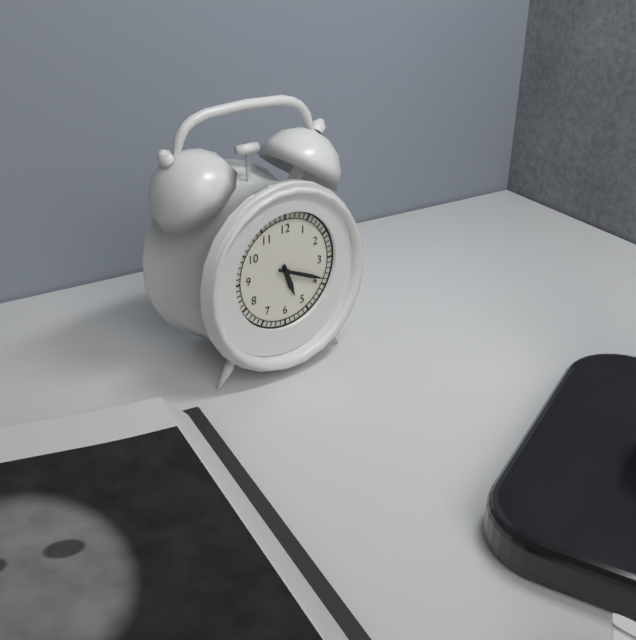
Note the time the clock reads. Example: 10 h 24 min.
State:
5 h 19 min
